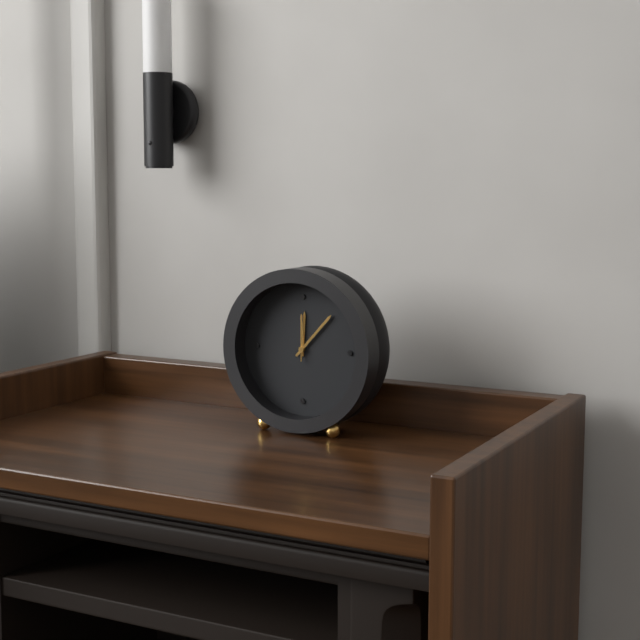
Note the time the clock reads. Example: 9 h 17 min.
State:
12 h 07 min
